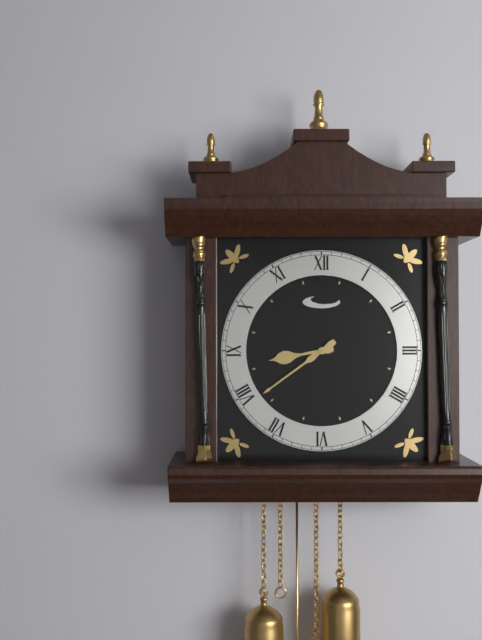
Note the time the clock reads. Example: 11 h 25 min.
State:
8 h 39 min
